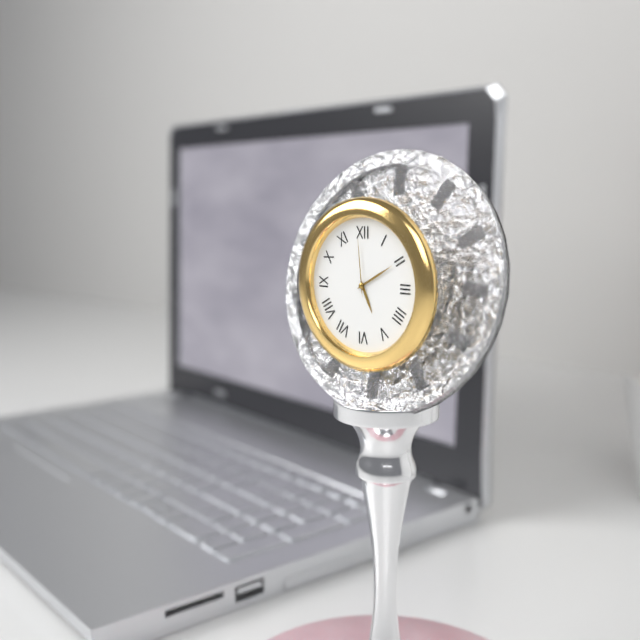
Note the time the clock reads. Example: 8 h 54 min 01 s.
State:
5 h 10 min 59 s
